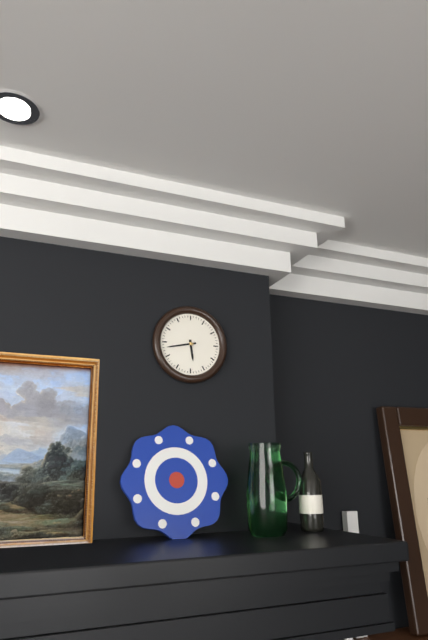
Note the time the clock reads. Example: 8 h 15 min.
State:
5 h 43 min
